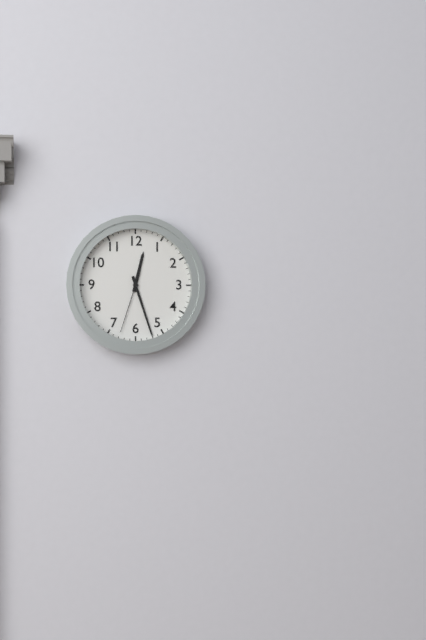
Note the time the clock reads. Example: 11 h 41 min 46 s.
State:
12 h 27 min 33 s
